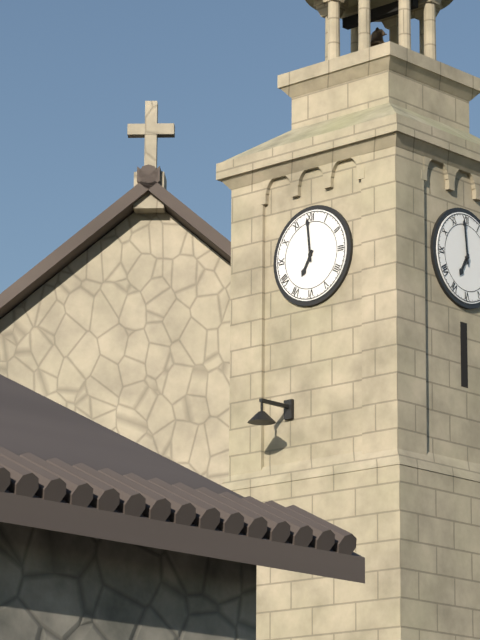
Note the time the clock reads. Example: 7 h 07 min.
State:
6 h 59 min
